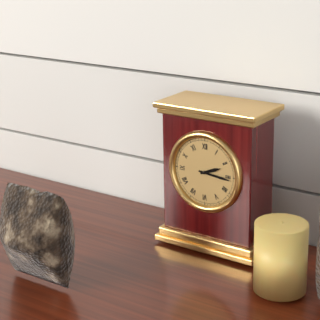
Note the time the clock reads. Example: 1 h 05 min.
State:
2 h 16 min
